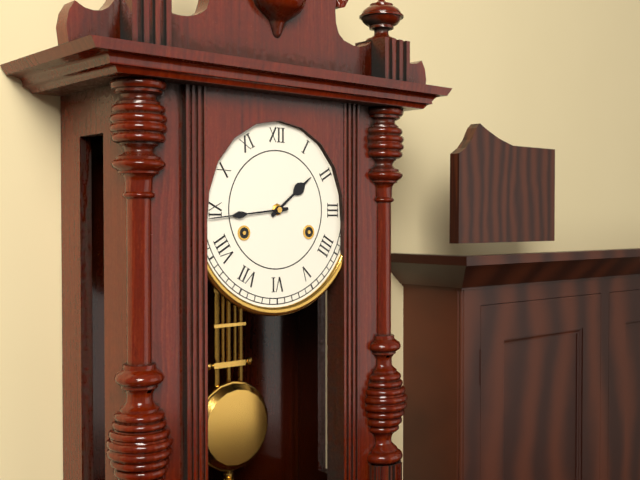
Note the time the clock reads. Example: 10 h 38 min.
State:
1 h 44 min
